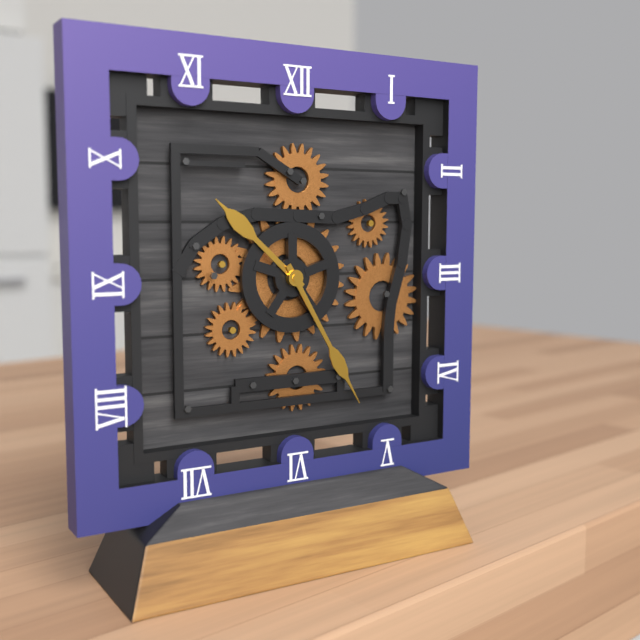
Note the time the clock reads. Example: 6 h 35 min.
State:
10 h 25 min
